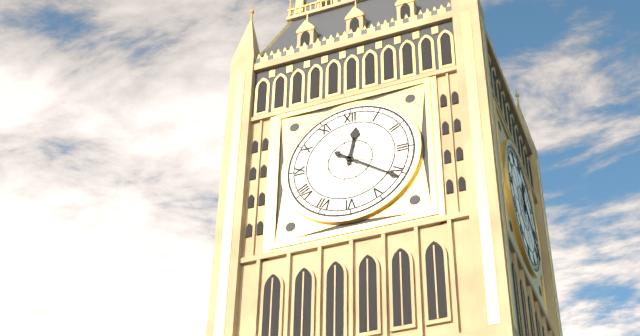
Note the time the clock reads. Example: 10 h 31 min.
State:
12 h 21 min
